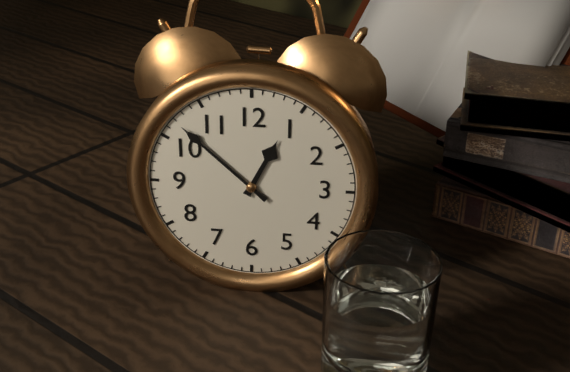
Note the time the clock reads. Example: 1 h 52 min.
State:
12 h 52 min
